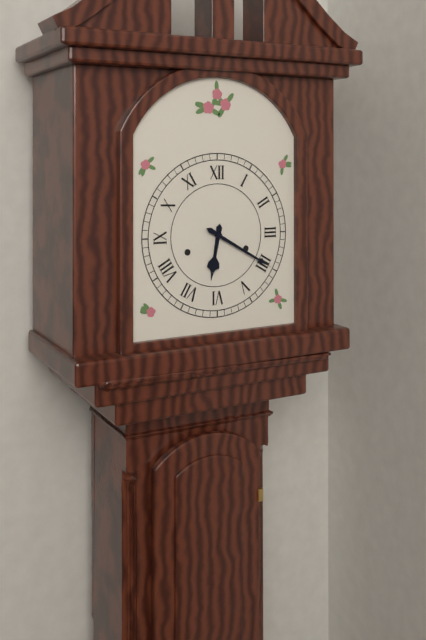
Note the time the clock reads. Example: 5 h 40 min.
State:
6 h 20 min
